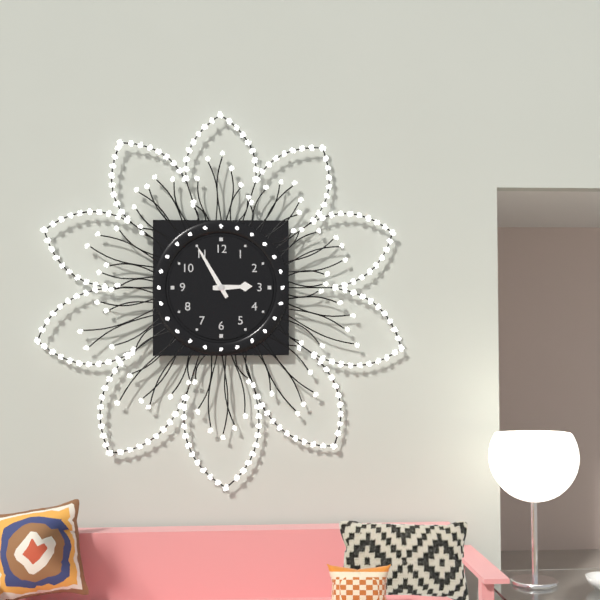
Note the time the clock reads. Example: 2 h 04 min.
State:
2 h 55 min
